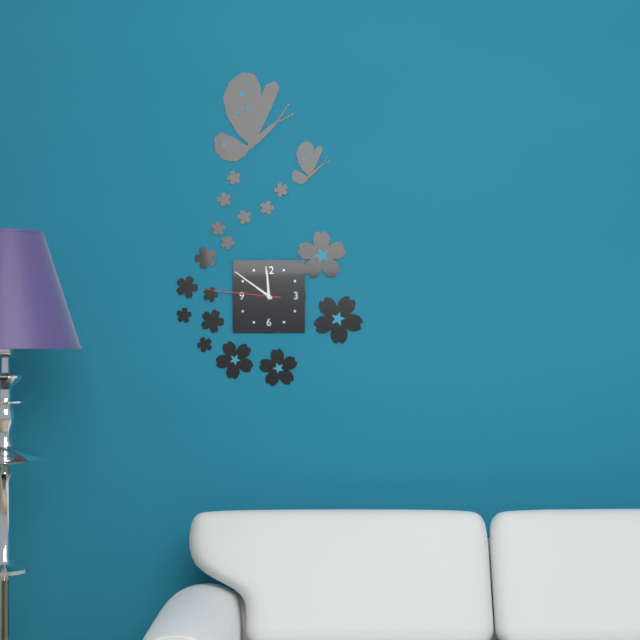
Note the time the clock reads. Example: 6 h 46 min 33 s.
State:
11 h 51 min 46 s
